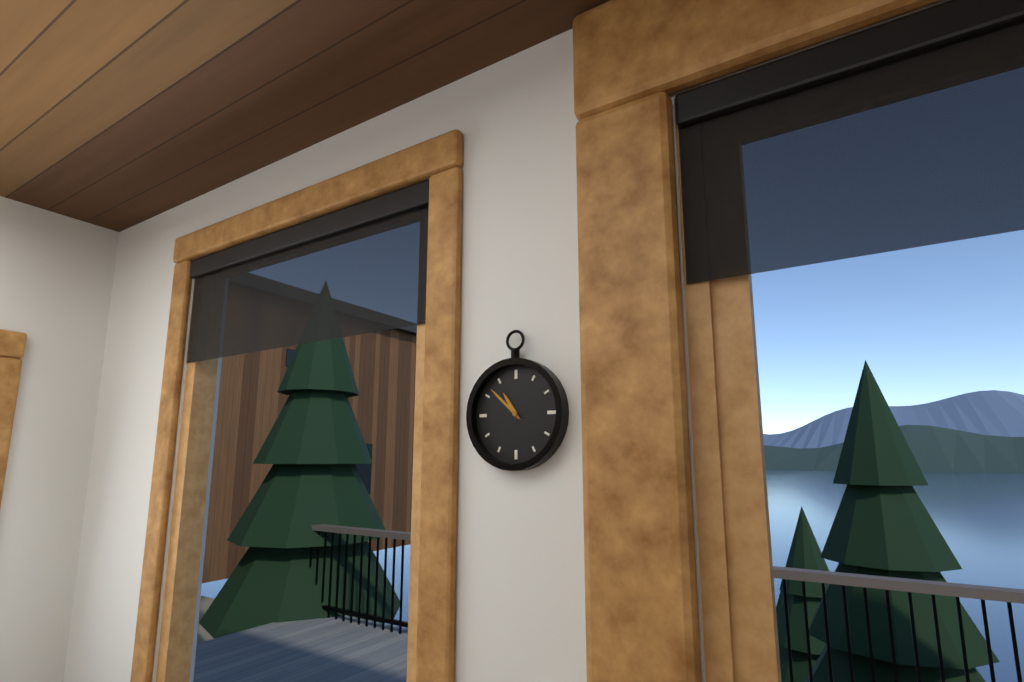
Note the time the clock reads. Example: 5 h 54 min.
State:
10 h 52 min
